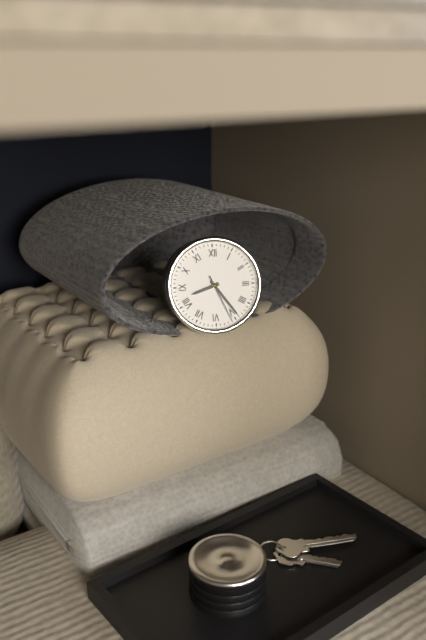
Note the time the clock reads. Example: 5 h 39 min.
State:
8 h 24 min
